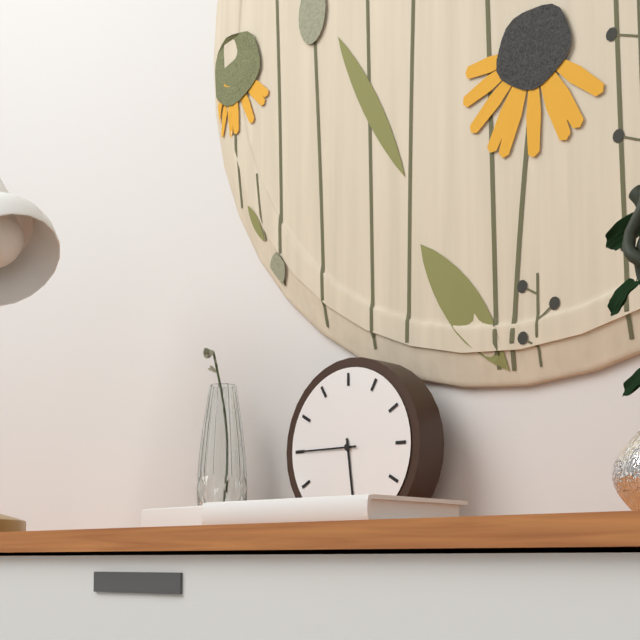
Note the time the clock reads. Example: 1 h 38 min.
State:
5 h 45 min
